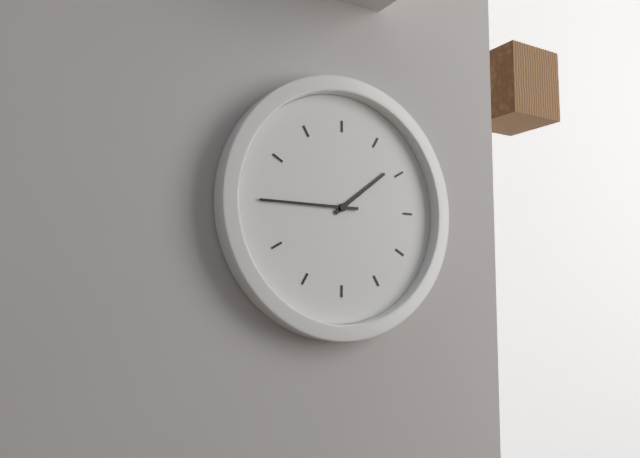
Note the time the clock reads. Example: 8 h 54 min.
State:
1 h 45 min
